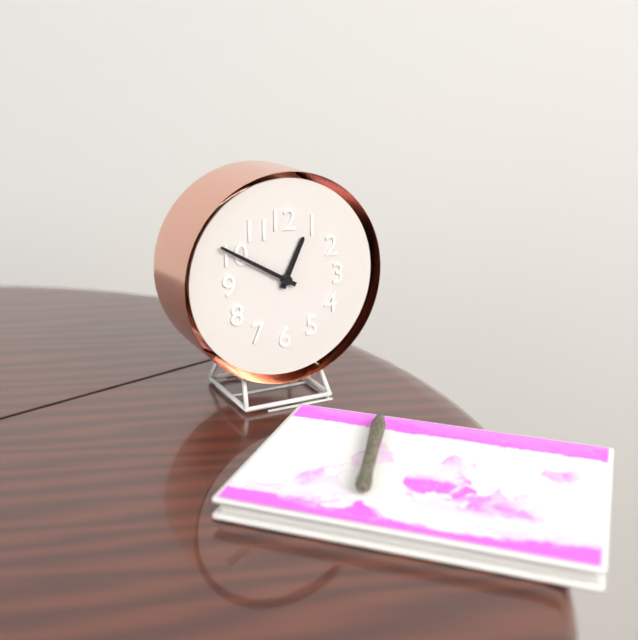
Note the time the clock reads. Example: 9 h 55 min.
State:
12 h 50 min
